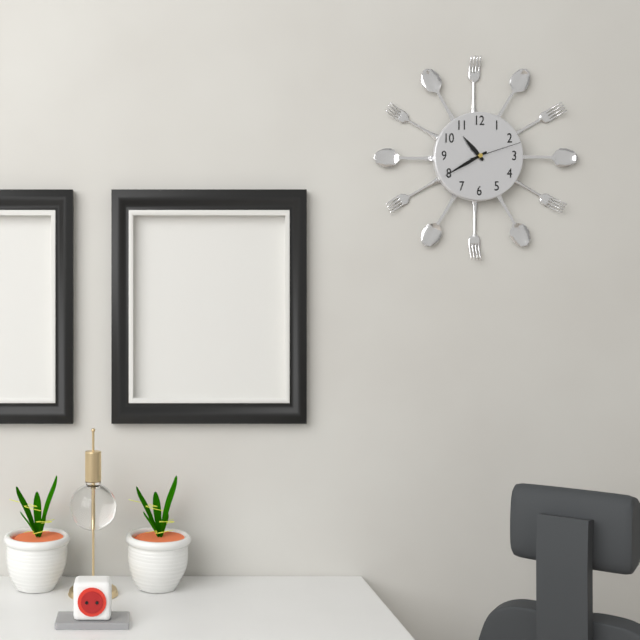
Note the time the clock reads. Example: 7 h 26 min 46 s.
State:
10 h 40 min 12 s
